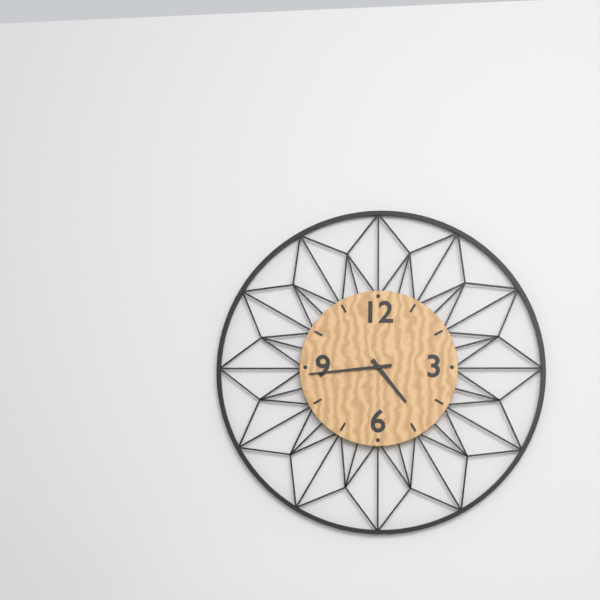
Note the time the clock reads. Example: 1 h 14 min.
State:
4 h 44 min
